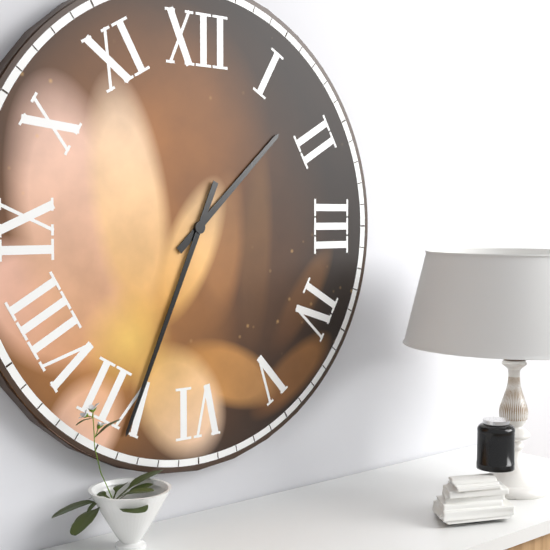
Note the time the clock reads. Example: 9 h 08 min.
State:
1 h 34 min
